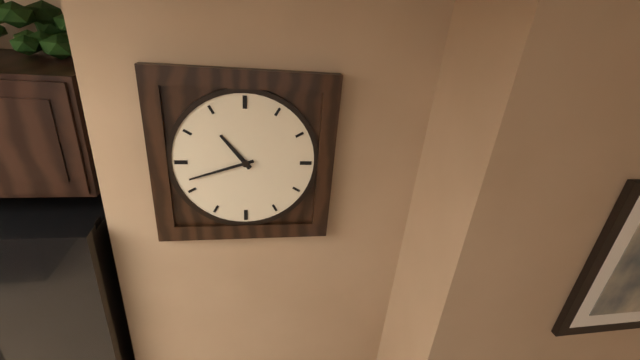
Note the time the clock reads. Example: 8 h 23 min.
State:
10 h 42 min
